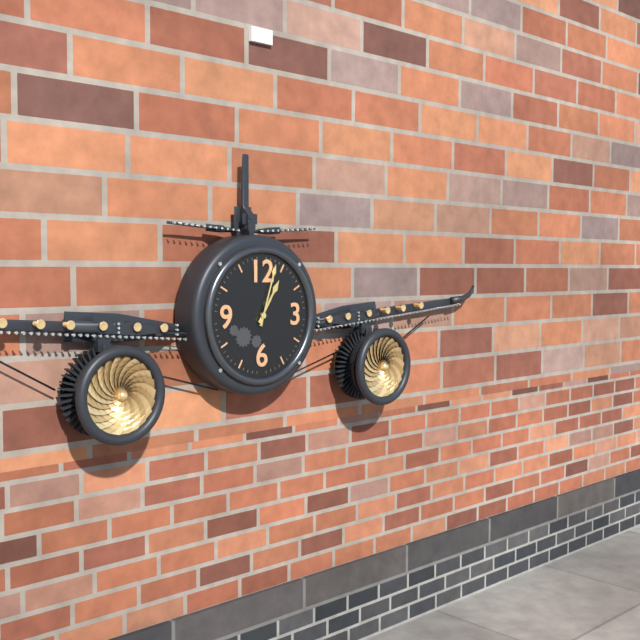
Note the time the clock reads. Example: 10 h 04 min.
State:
1 h 03 min
